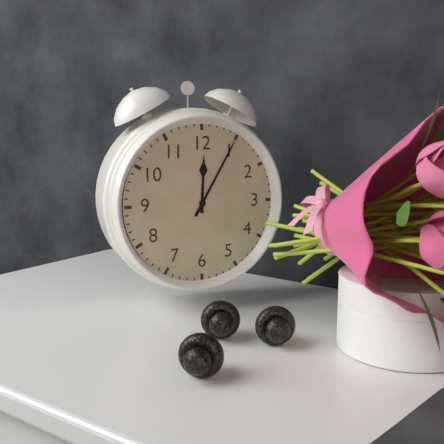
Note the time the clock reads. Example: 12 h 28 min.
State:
12 h 05 min
